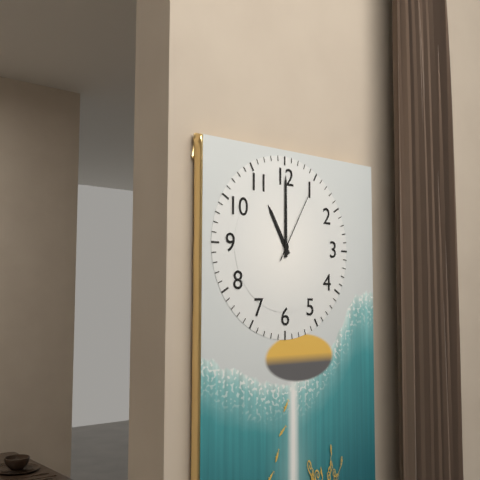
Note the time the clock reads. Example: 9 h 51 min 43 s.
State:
11 h 00 min 05 s
